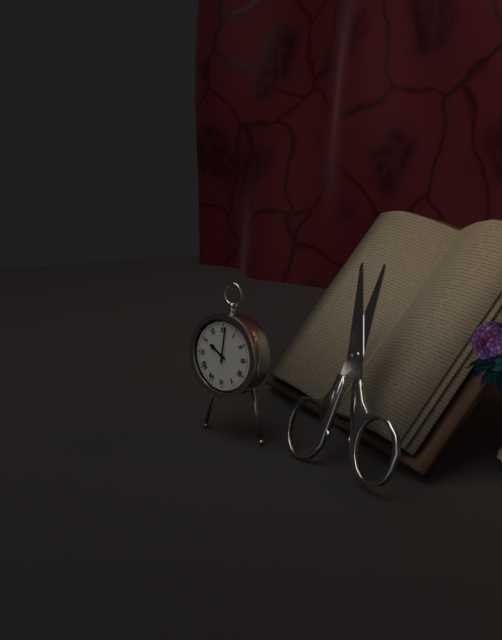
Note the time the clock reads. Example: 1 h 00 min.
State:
10 h 01 min
